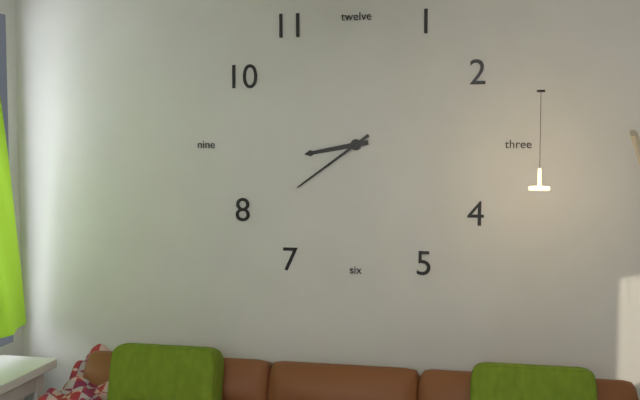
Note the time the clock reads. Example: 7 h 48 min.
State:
8 h 39 min
